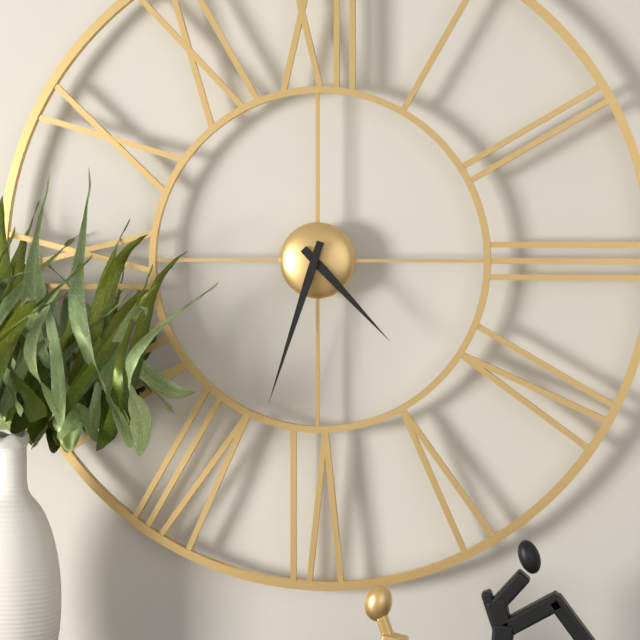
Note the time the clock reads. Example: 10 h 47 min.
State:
4 h 33 min
